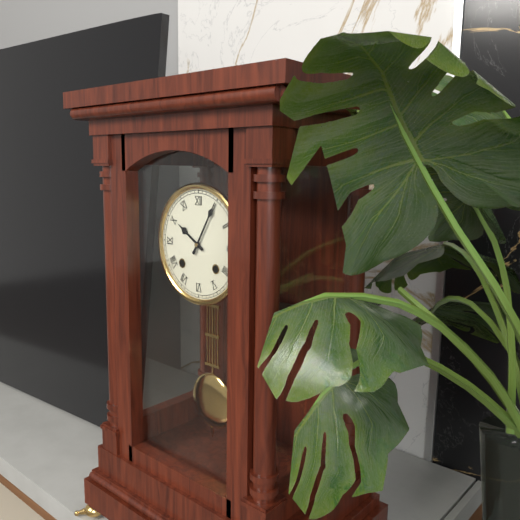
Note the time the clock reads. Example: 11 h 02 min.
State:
10 h 05 min
